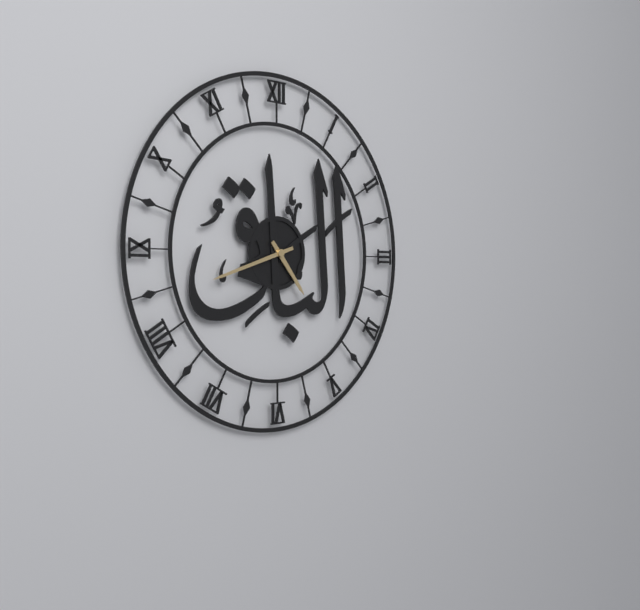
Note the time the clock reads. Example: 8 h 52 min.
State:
4 h 42 min
